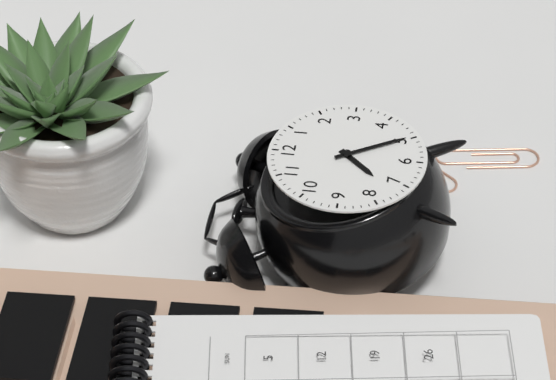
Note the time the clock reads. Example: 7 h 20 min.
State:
7 h 25 min
